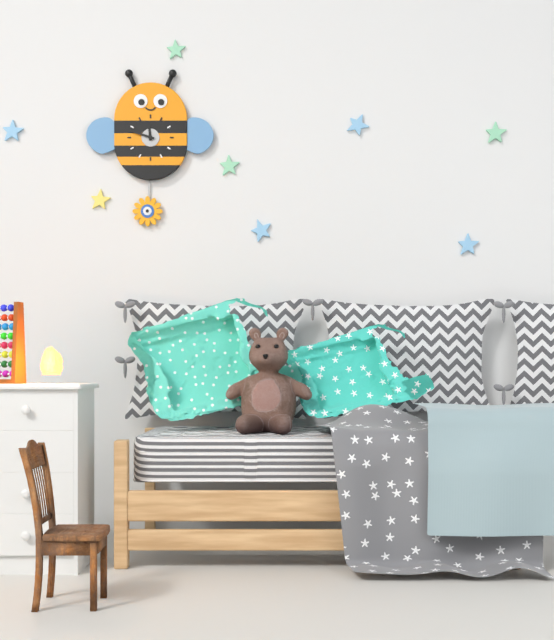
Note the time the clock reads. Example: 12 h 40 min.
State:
11 h 48 min
